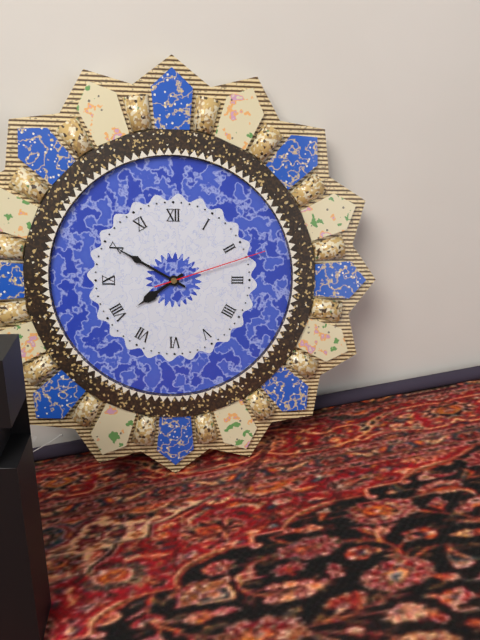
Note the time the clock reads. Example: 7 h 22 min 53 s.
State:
7 h 50 min 12 s
